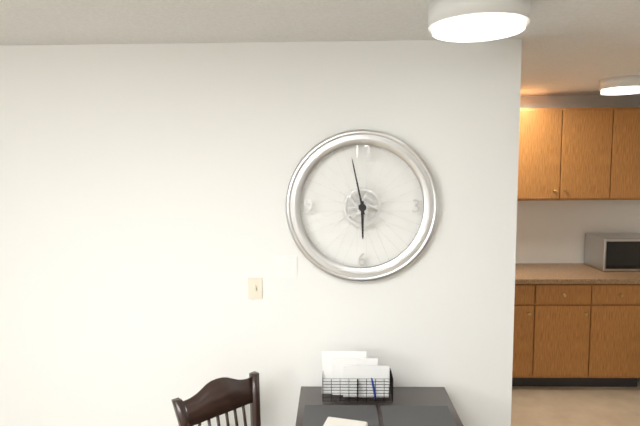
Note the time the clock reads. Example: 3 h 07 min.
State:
5 h 58 min
